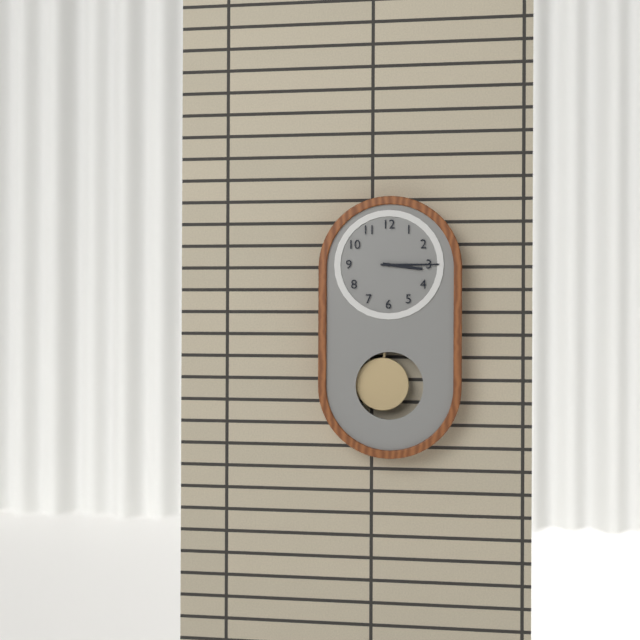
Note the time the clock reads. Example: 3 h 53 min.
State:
3 h 15 min
